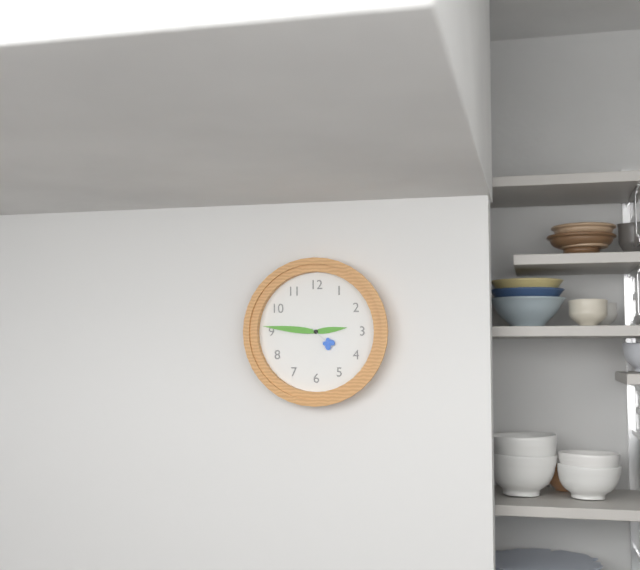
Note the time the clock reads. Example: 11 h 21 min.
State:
2 h 46 min
